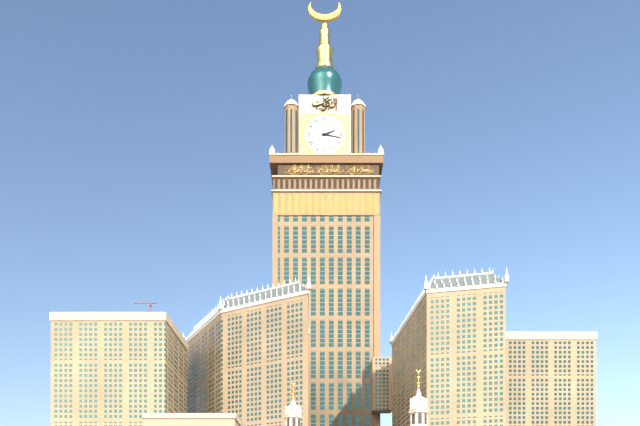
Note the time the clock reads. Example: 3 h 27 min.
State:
2 h 17 min
